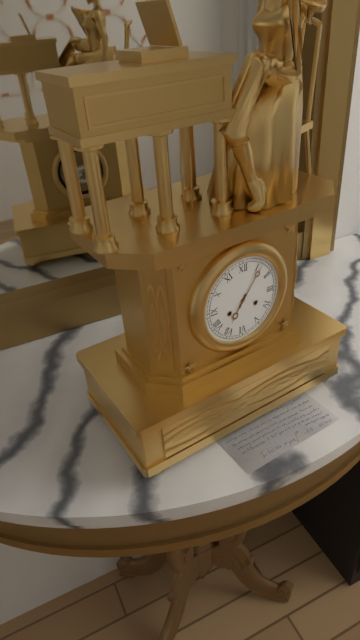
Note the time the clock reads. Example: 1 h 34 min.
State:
7 h 06 min
